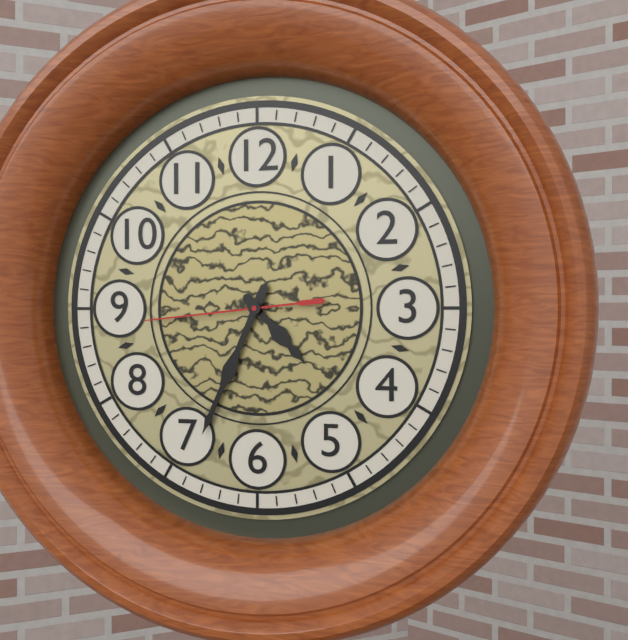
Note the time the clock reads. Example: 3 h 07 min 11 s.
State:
4 h 34 min 44 s
